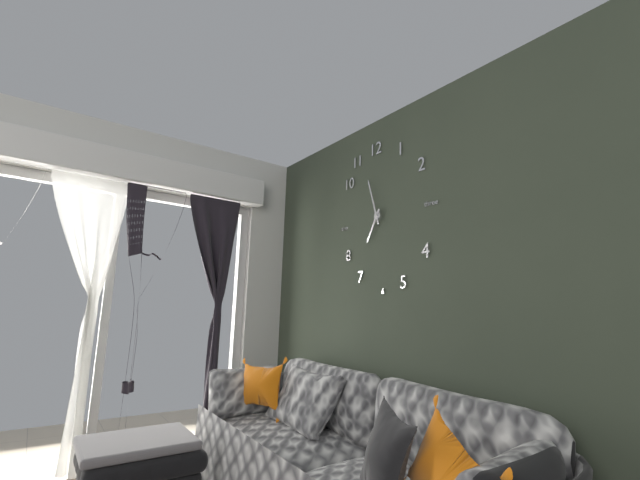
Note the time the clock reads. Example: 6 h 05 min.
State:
6 h 57 min
